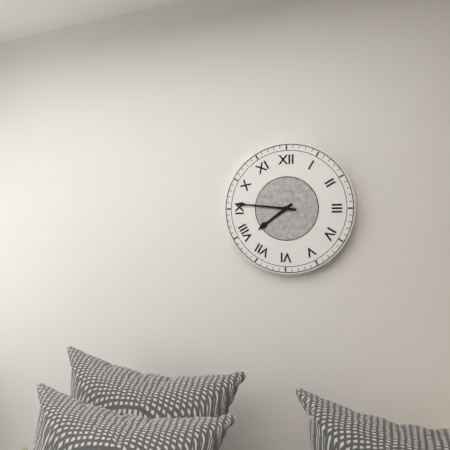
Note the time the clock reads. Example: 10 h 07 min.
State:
7 h 46 min
